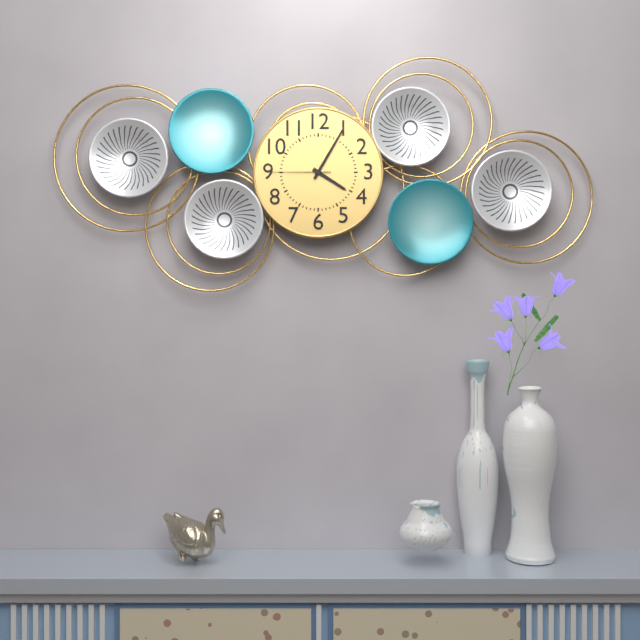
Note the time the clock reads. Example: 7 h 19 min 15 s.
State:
4 h 05 min 45 s
